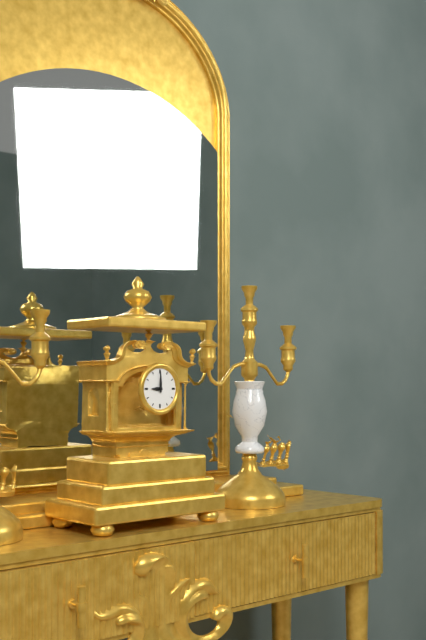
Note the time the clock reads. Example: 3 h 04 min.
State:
9 h 00 min
